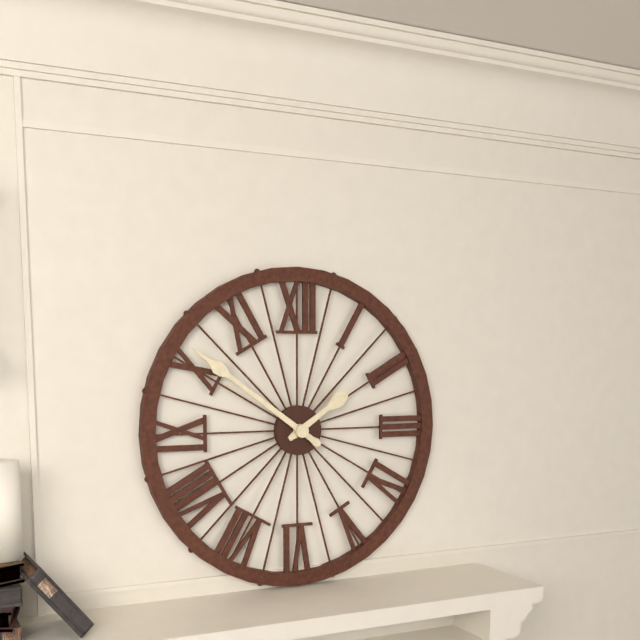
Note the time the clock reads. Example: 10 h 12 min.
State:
1 h 51 min
